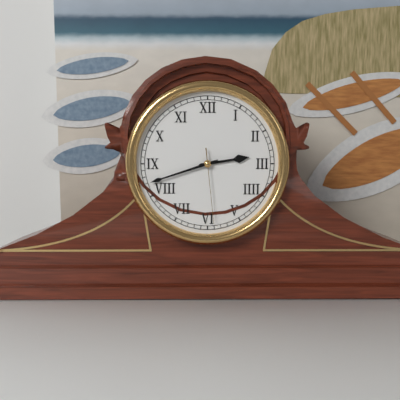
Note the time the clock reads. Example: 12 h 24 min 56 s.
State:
2 h 42 min 29 s
